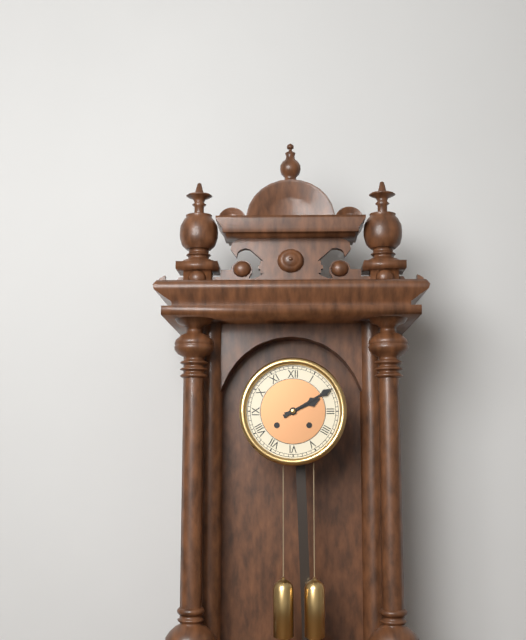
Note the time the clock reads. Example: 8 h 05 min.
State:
2 h 10 min
